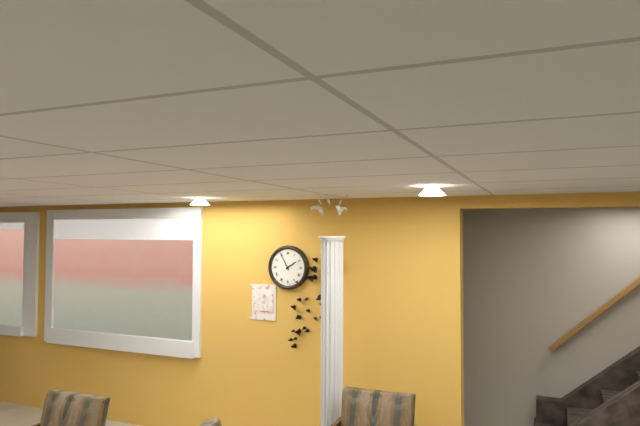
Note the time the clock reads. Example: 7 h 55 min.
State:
1 h 55 min
